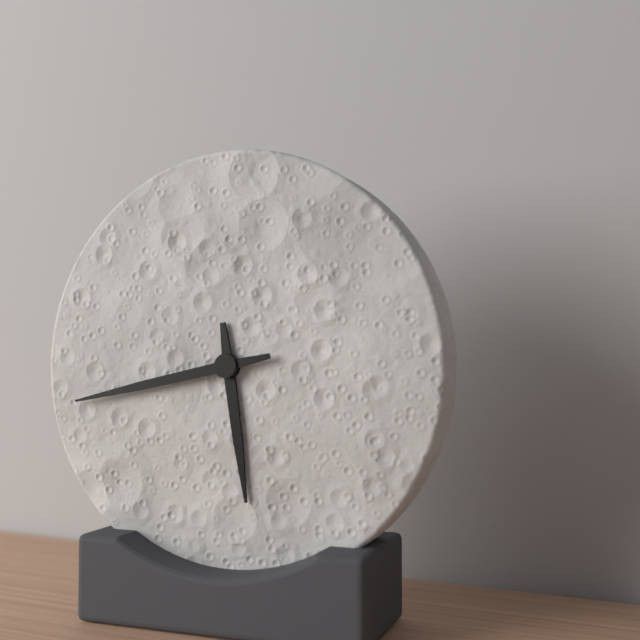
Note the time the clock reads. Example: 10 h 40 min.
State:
5 h 43 min
